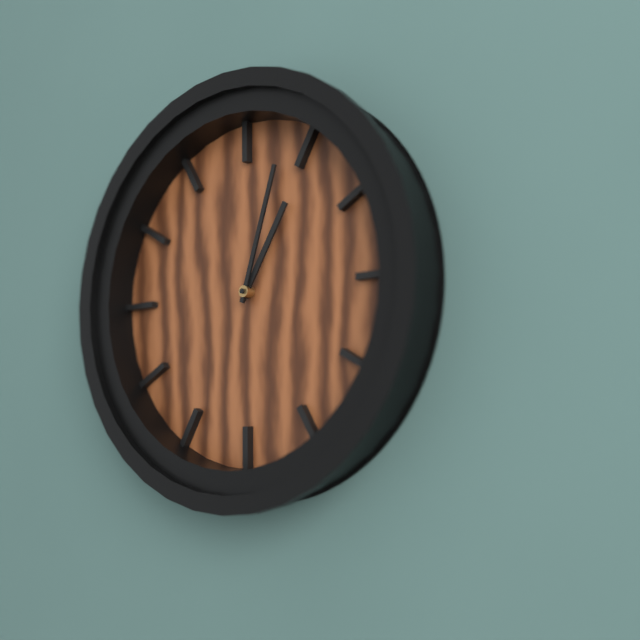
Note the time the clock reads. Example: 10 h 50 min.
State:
1 h 03 min
